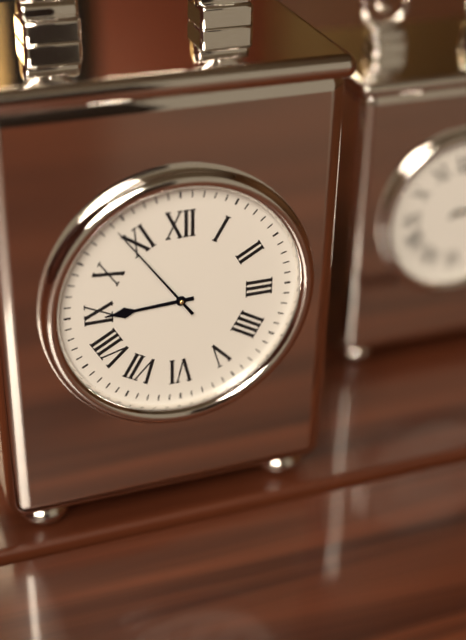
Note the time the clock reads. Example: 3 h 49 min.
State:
8 h 54 min
